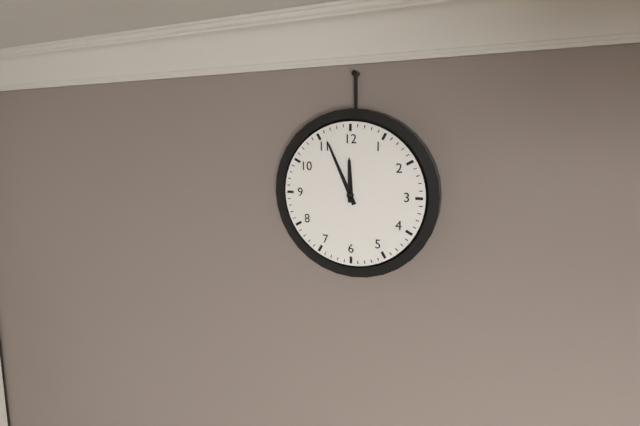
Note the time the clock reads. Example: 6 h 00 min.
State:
11 h 56 min
